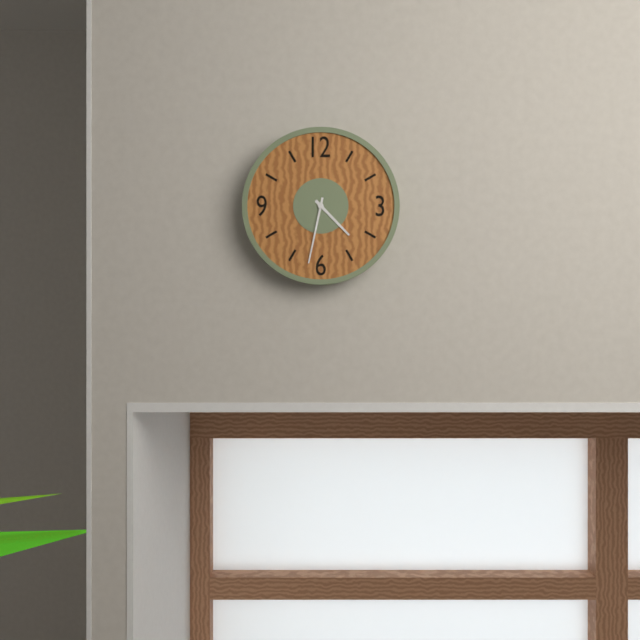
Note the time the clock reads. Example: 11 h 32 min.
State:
4 h 32 min
